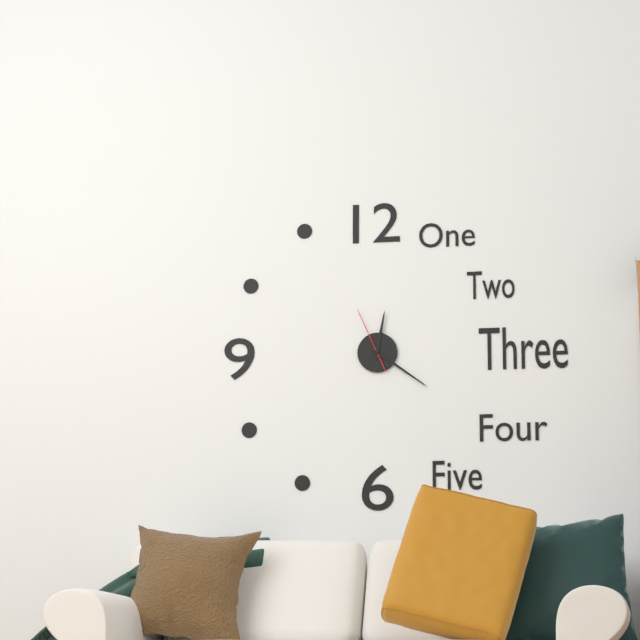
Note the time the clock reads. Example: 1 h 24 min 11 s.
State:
12 h 21 min 56 s
